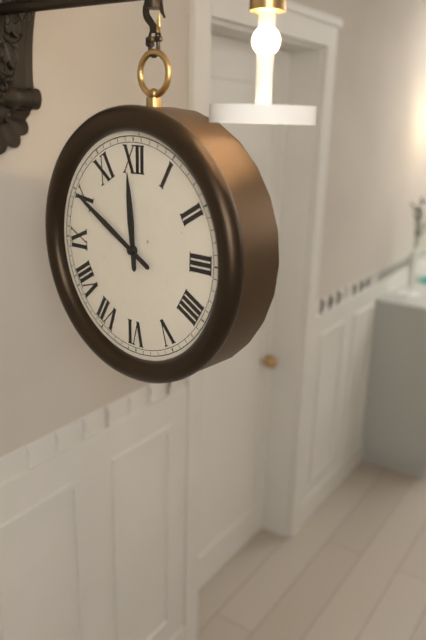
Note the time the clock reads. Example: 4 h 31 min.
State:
11 h 50 min
